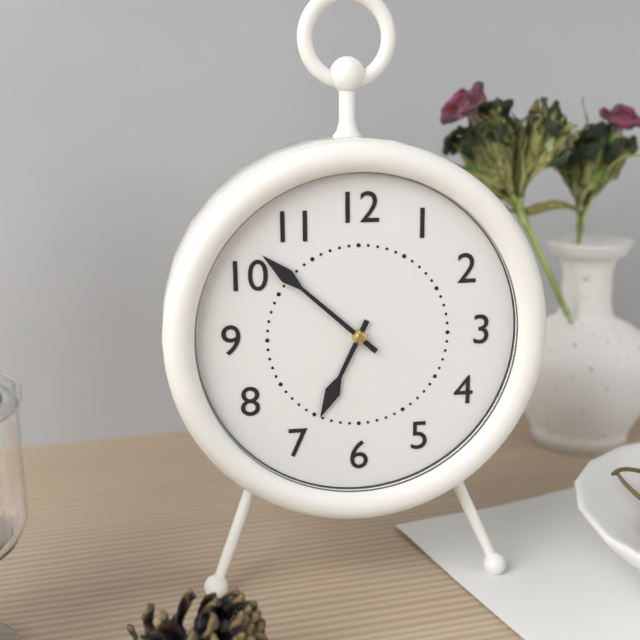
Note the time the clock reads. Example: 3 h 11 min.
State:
6 h 52 min
